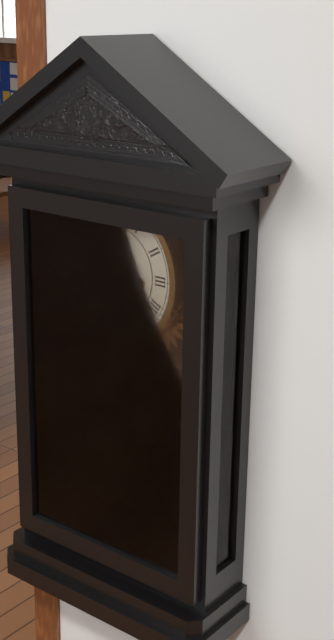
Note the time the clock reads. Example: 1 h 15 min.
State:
9 h 40 min
